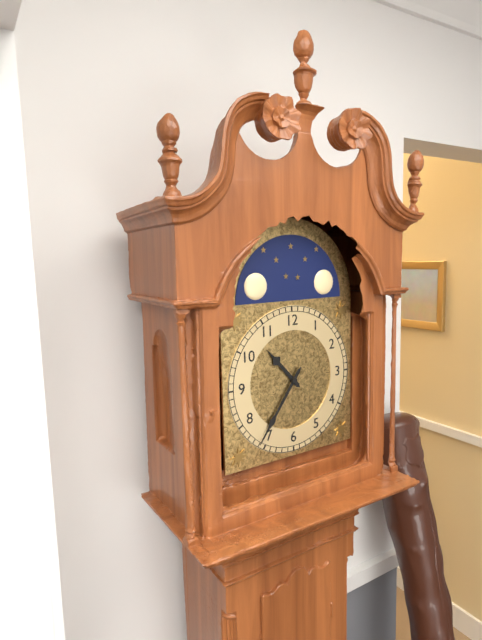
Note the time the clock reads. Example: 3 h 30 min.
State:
10 h 36 min
